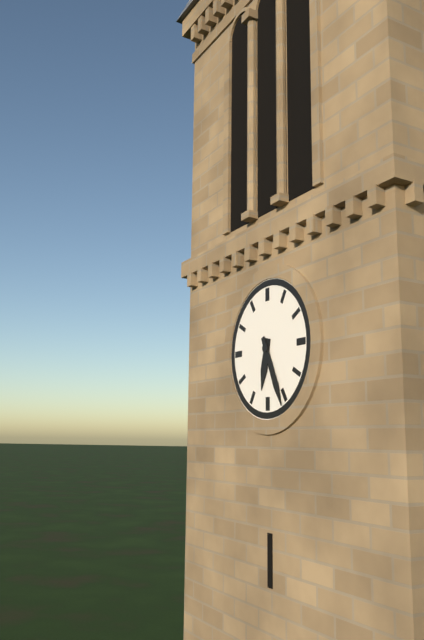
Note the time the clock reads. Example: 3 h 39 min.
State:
6 h 26 min
